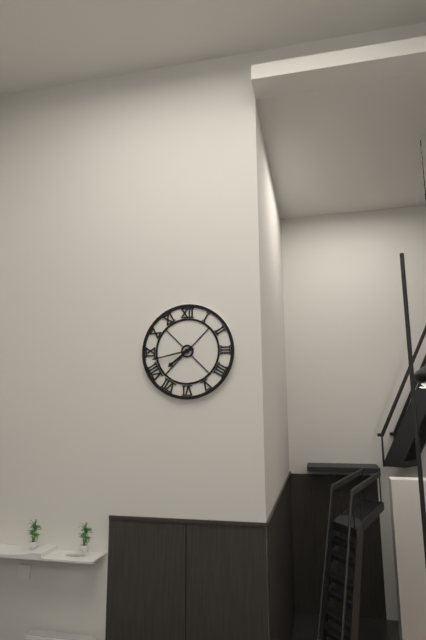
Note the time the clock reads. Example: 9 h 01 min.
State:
7 h 43 min
